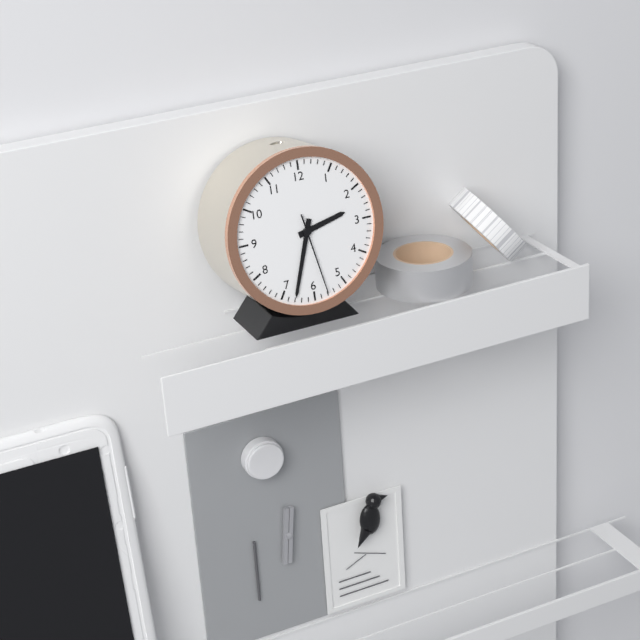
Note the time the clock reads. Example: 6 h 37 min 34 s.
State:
2 h 33 min 28 s
